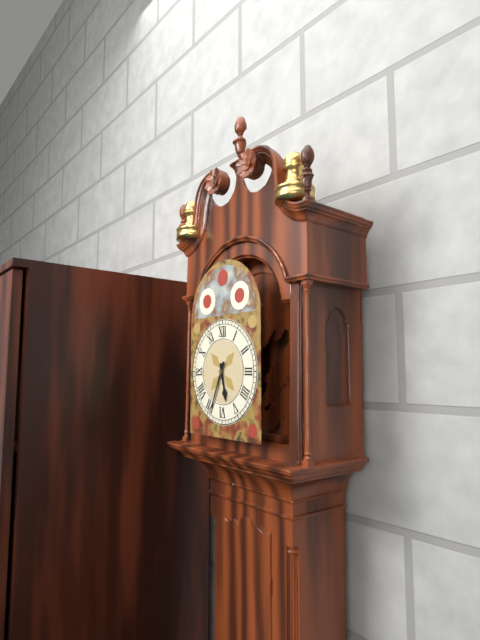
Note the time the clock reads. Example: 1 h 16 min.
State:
5 h 34 min
